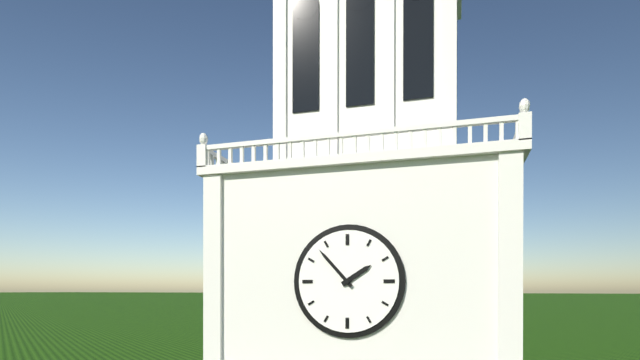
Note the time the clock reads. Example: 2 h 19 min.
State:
1 h 53 min
